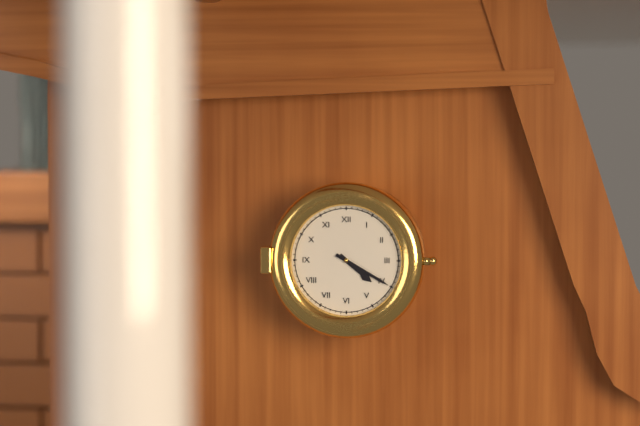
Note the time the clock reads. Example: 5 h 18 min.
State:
4 h 20 min
